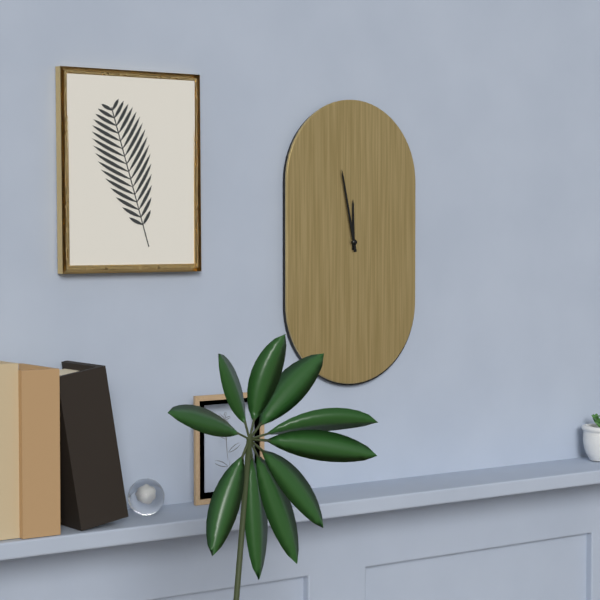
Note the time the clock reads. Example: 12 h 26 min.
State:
11 h 58 min
